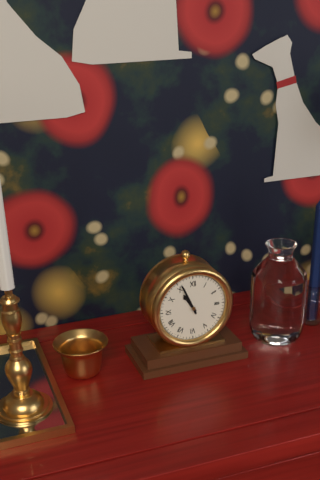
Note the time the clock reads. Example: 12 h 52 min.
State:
10 h 56 min
